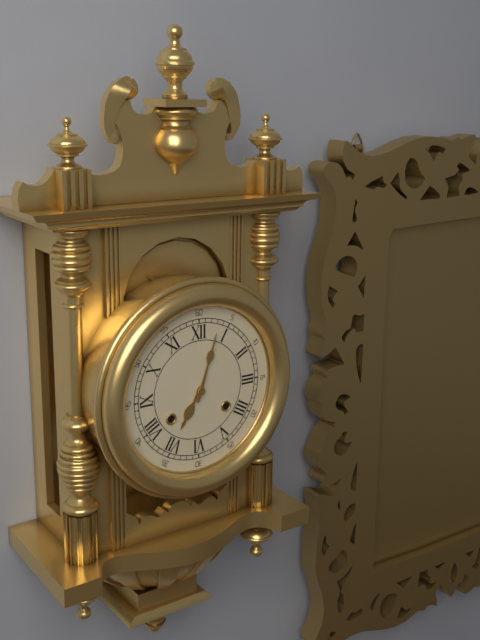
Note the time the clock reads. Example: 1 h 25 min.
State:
7 h 03 min
